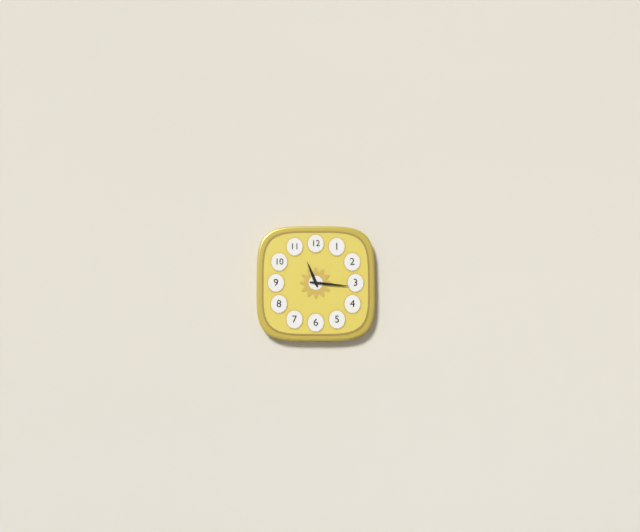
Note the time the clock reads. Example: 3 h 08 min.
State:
11 h 16 min
